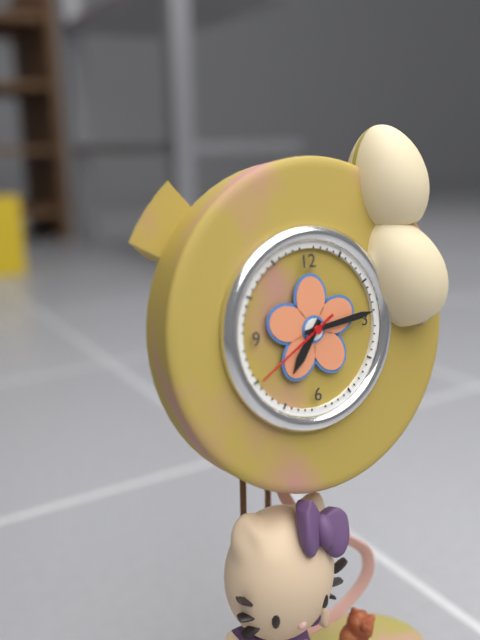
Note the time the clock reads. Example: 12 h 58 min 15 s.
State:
7 h 14 min 40 s
